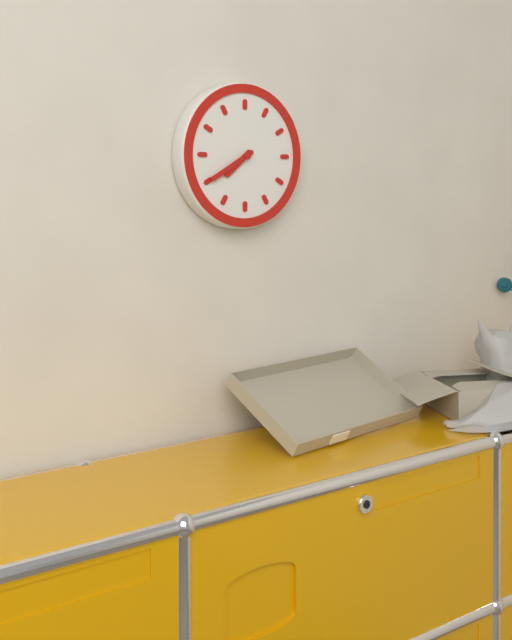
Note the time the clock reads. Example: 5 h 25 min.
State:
7 h 40 min
